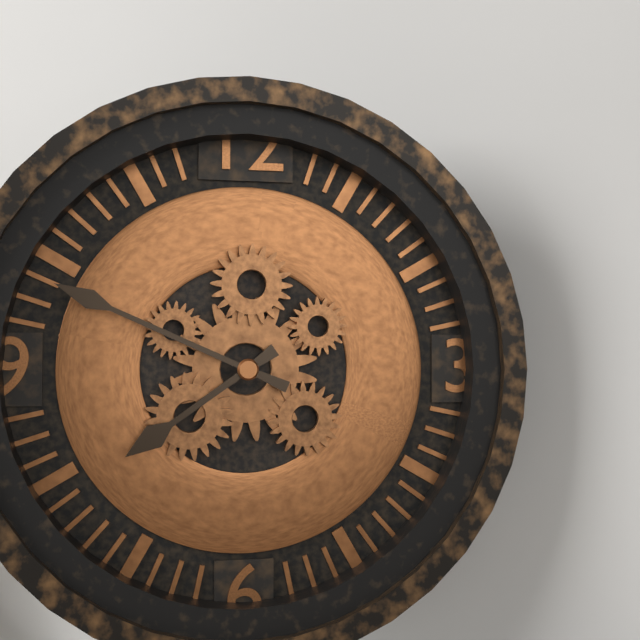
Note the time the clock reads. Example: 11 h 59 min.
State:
7 h 49 min
